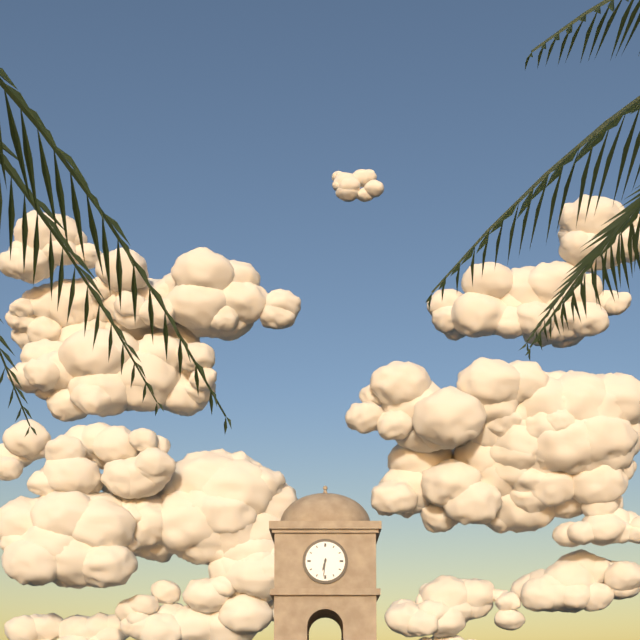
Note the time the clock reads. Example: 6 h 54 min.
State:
6 h 31 min
